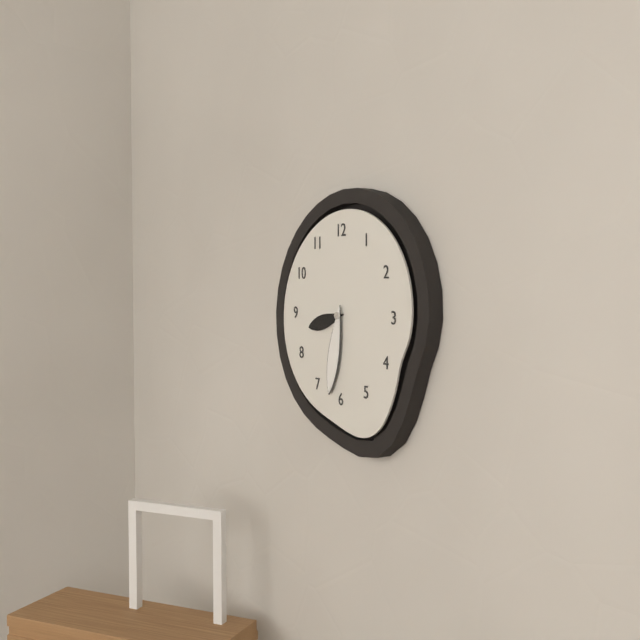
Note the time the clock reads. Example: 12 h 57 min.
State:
8 h 32 min
